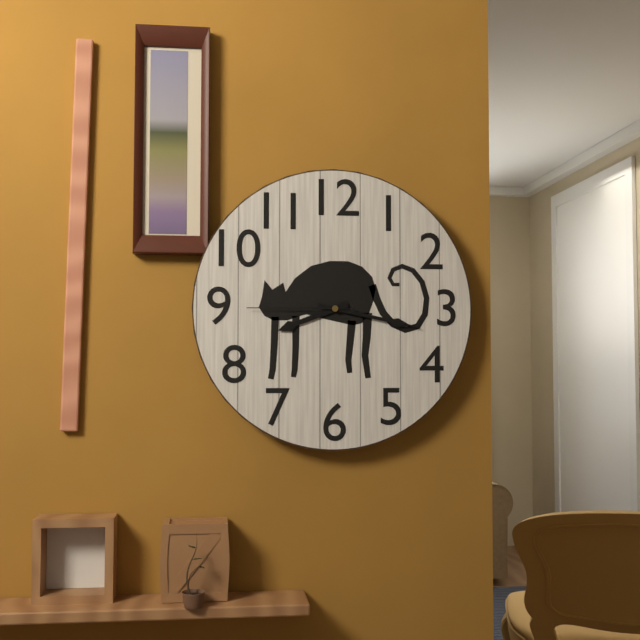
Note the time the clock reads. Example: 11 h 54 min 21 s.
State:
8 h 17 min 45 s
